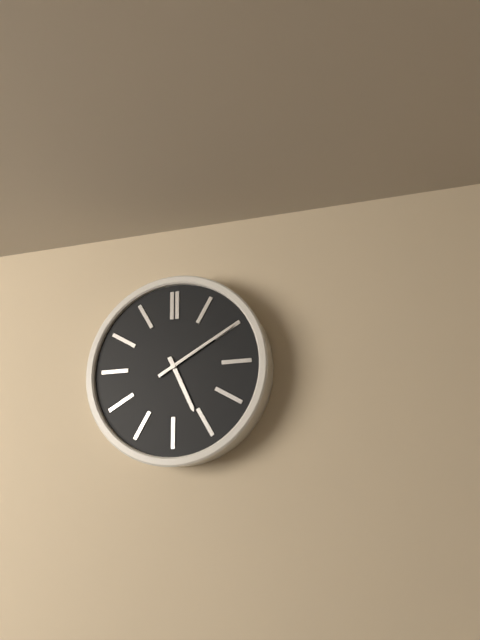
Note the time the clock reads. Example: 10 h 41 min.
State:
5 h 10 min
